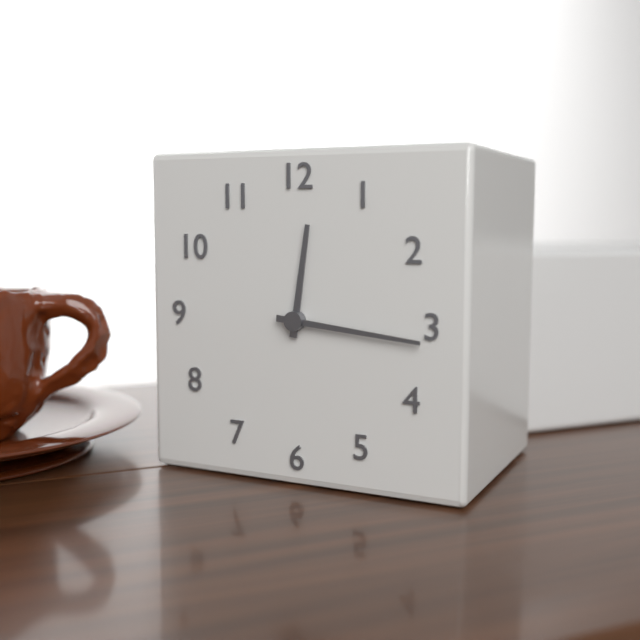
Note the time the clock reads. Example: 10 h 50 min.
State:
12 h 16 min
